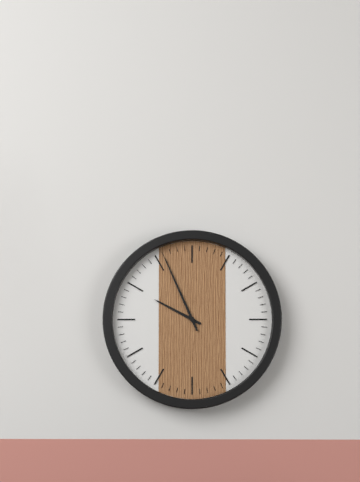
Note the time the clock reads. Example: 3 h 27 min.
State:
9 h 56 min
